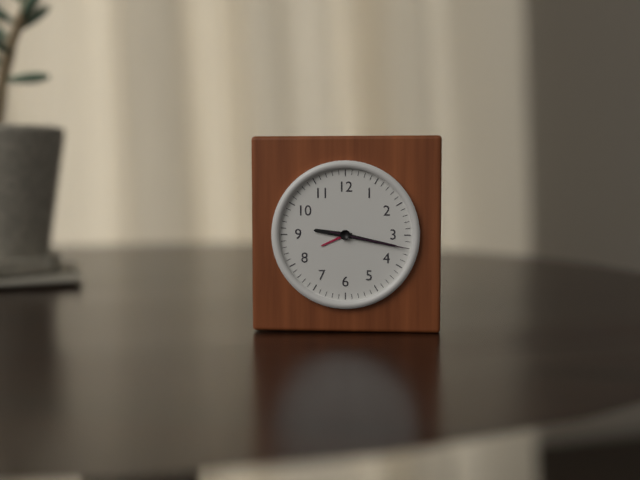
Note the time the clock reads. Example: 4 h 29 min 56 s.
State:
9 h 17 min 17 s
